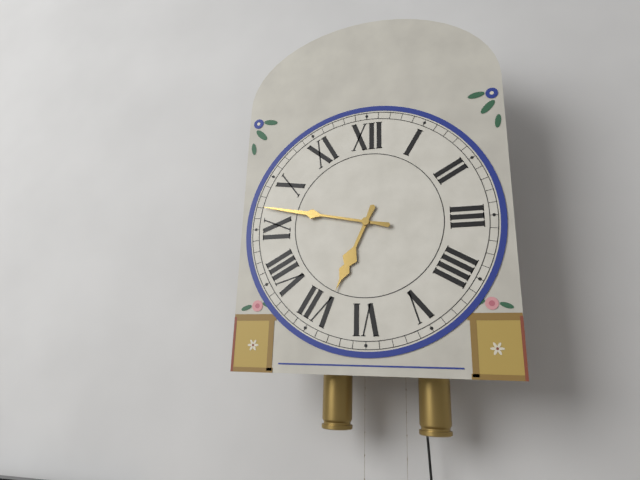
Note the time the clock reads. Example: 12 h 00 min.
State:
6 h 47 min
